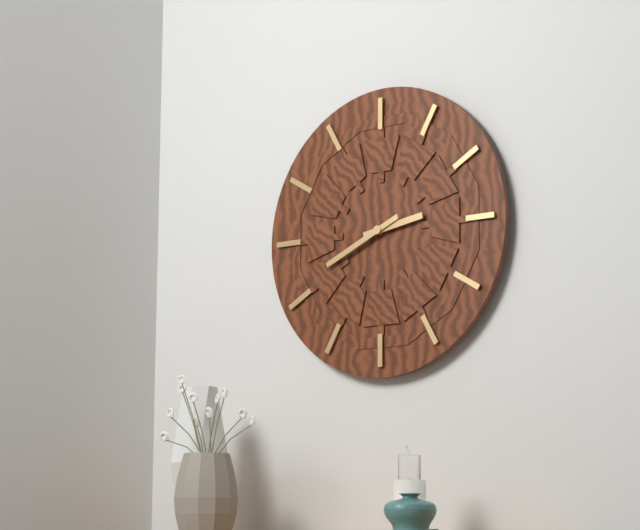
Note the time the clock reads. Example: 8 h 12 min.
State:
2 h 41 min
